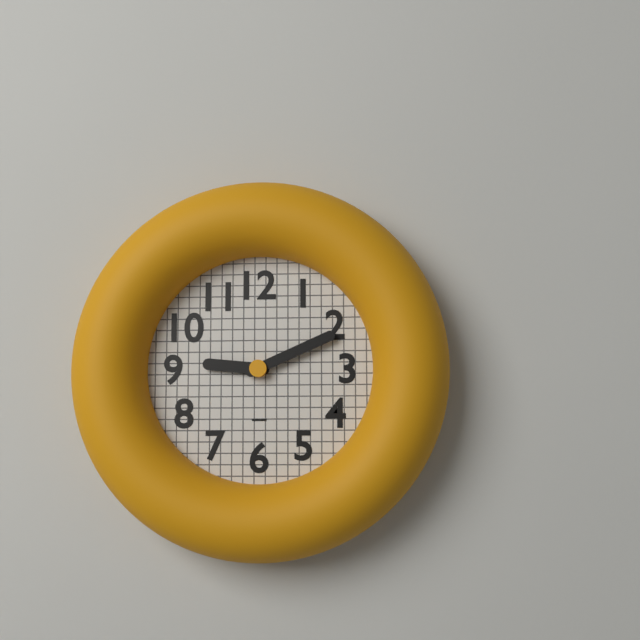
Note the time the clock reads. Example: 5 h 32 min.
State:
9 h 11 min
